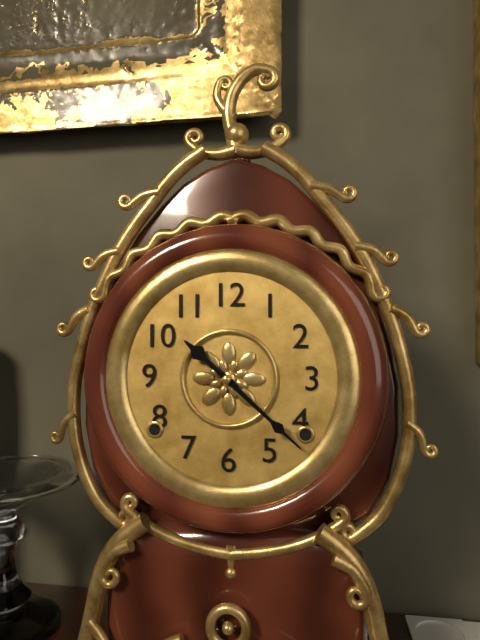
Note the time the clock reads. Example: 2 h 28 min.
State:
10 h 22 min
